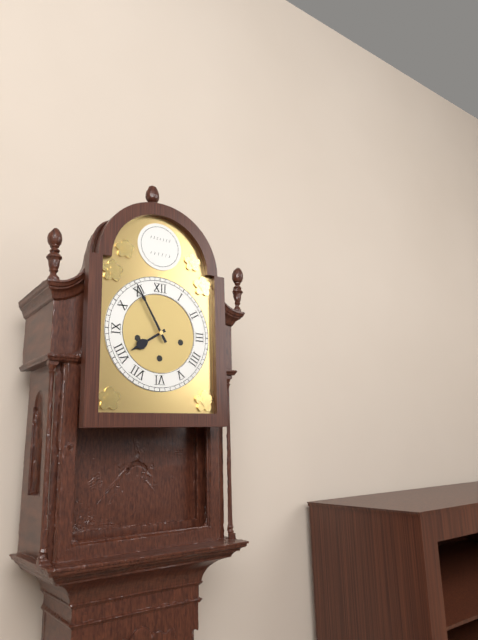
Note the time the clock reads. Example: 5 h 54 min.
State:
7 h 55 min
